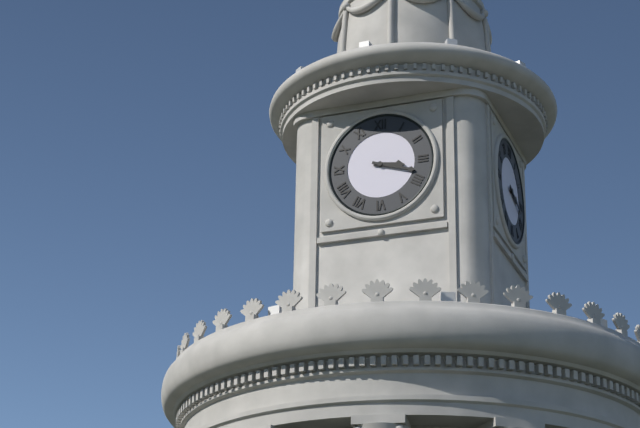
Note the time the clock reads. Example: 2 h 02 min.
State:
3 h 18 min
